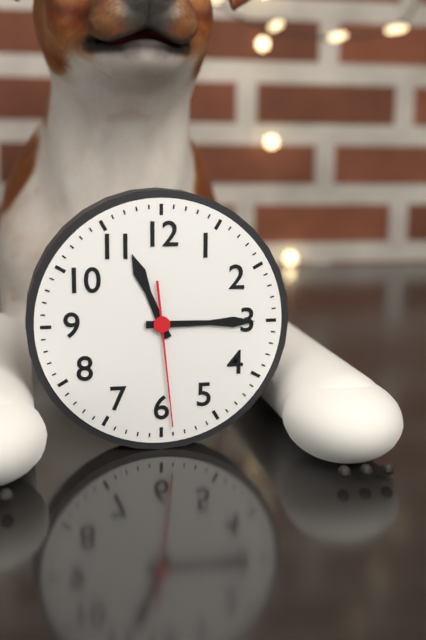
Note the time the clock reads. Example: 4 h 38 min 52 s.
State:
11 h 15 min 29 s
